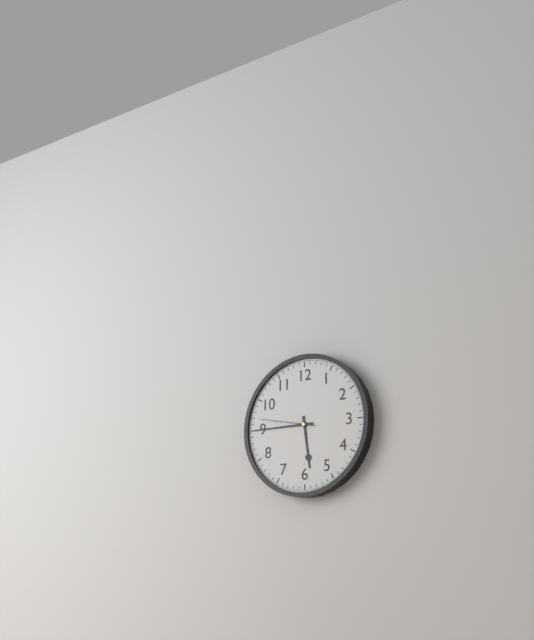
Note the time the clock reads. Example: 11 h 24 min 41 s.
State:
5 h 45 min 47 s
